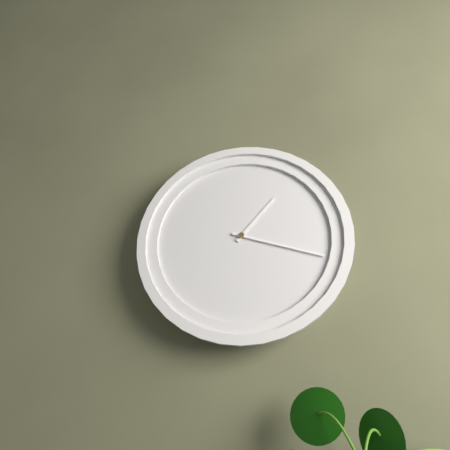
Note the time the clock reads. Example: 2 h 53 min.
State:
1 h 18 min
